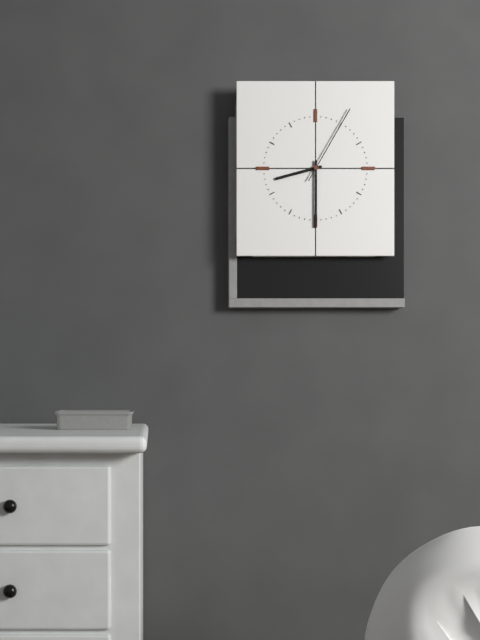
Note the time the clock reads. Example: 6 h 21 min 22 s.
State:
8 h 30 min 05 s
